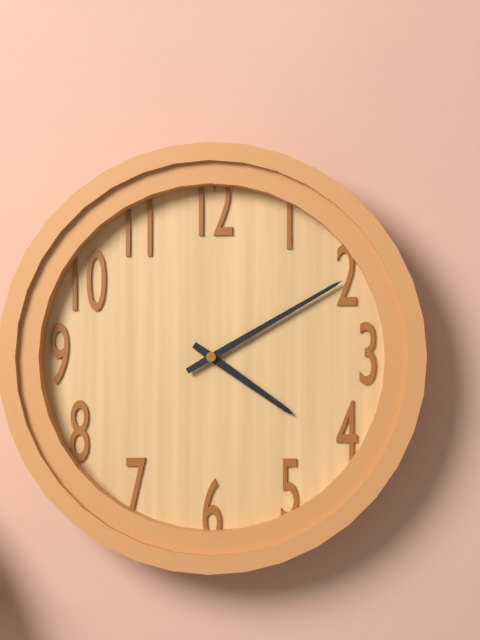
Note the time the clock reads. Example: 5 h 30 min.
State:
4 h 10 min
